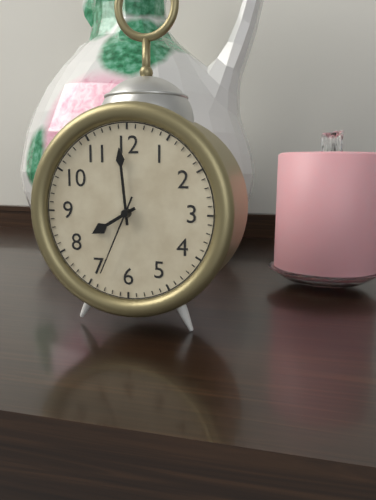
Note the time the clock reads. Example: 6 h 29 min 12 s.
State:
7 h 59 min 34 s
